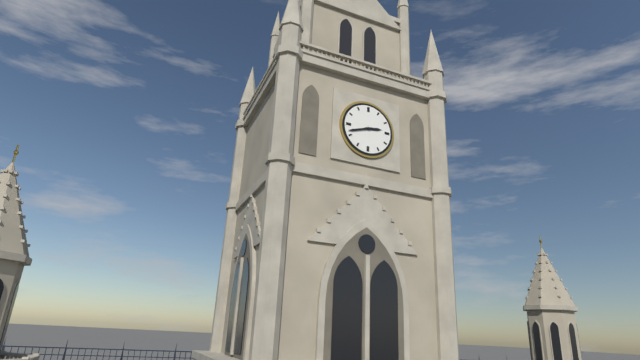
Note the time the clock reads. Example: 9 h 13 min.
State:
2 h 42 min
